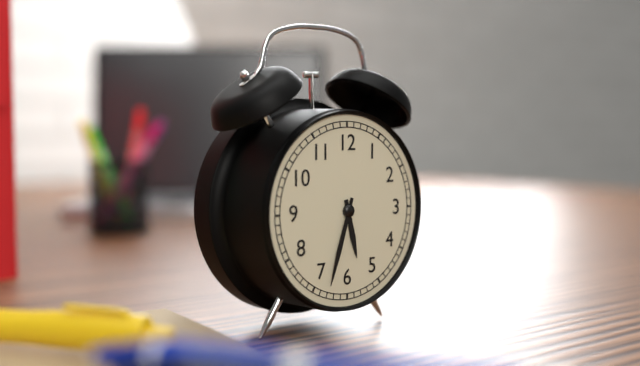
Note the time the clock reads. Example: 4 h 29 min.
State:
5 h 33 min
